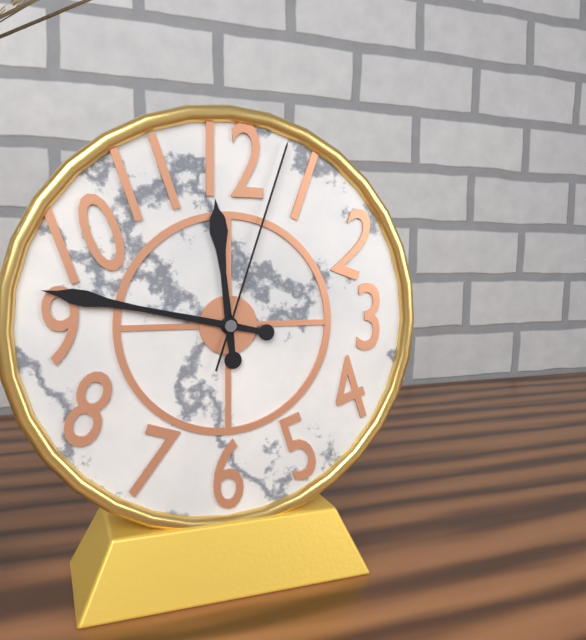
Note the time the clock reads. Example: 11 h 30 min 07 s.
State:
11 h 47 min 03 s
